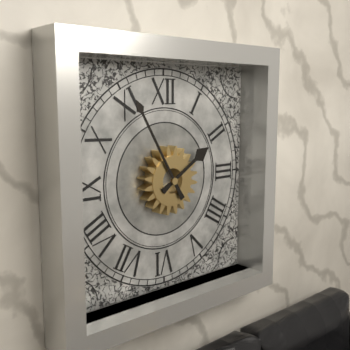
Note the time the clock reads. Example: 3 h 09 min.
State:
1 h 55 min
